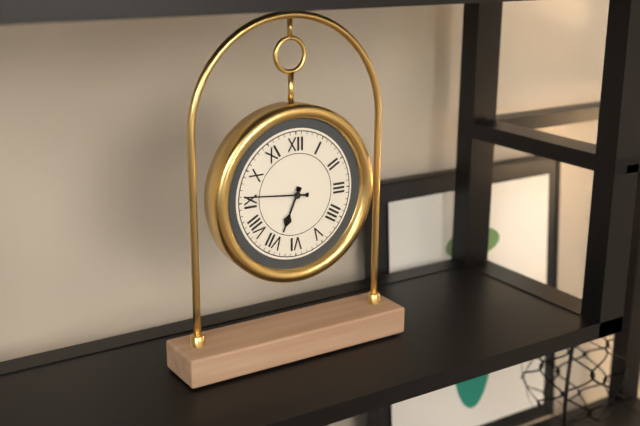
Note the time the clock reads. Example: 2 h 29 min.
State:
6 h 46 min
